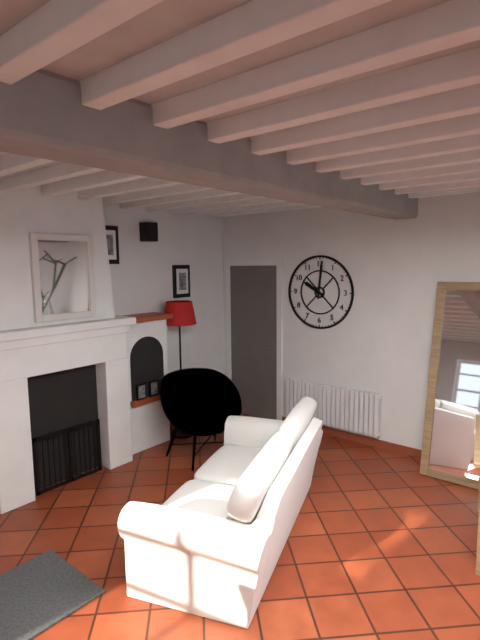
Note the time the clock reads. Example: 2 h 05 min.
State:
10 h 01 min
